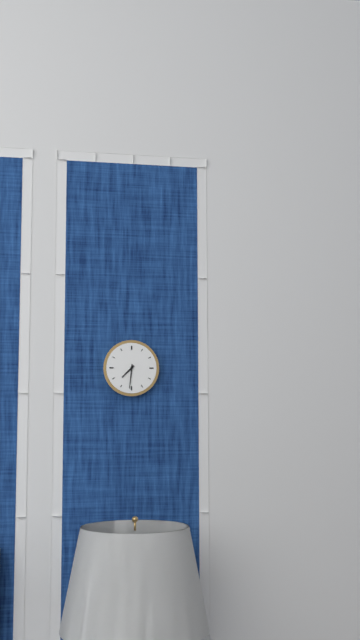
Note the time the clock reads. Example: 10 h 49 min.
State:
7 h 31 min
